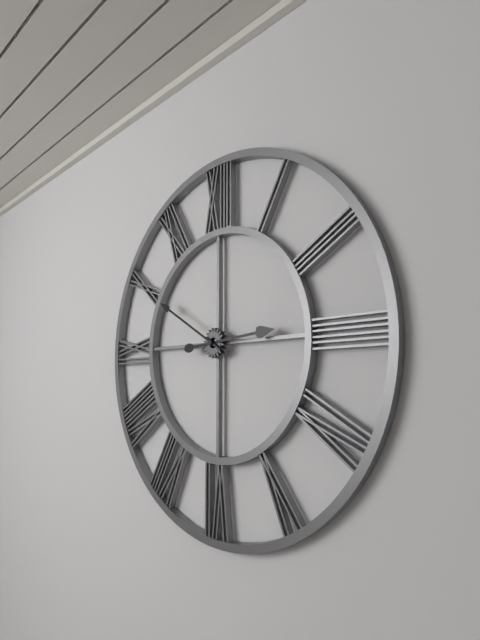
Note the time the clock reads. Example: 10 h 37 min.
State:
2 h 50 min
